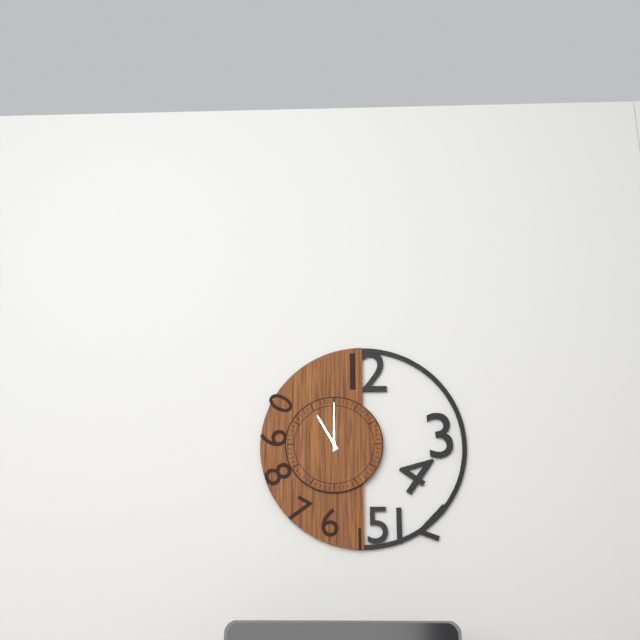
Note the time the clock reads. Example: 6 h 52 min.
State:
11 h 00 min
